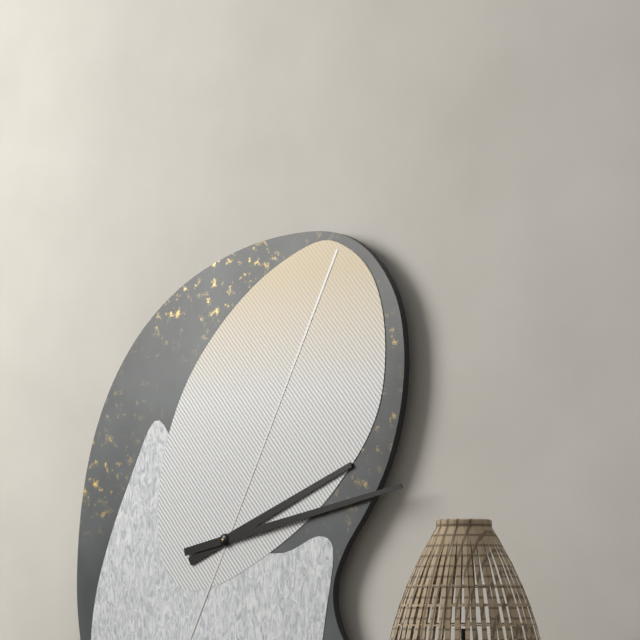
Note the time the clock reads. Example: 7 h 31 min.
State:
2 h 13 min
